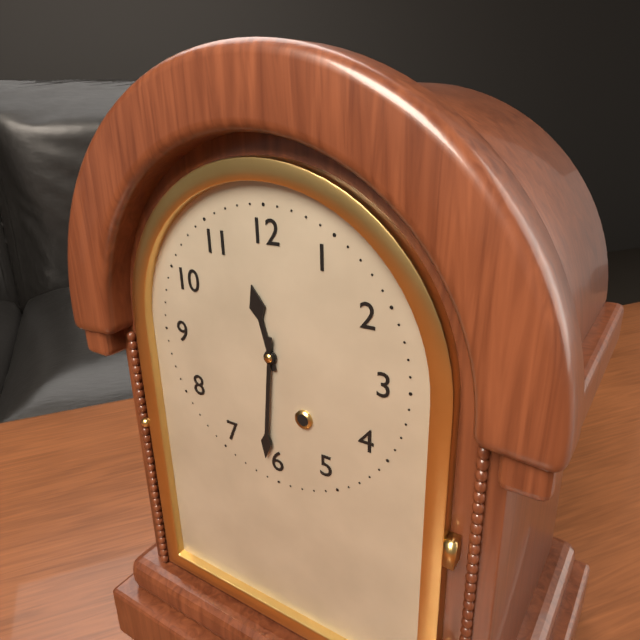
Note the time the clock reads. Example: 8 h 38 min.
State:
11 h 31 min
